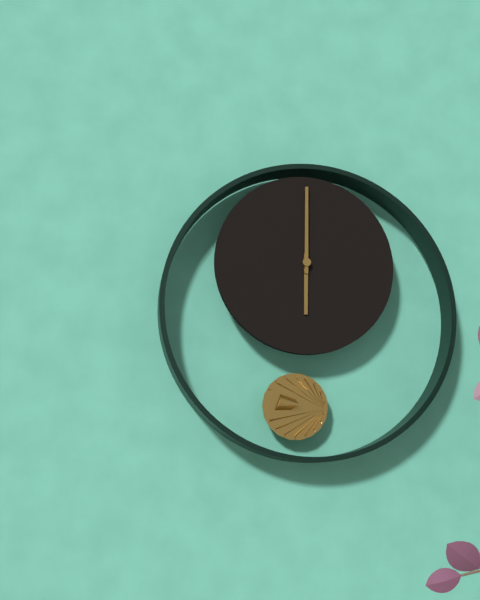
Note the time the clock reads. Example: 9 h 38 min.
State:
6 h 00 min
